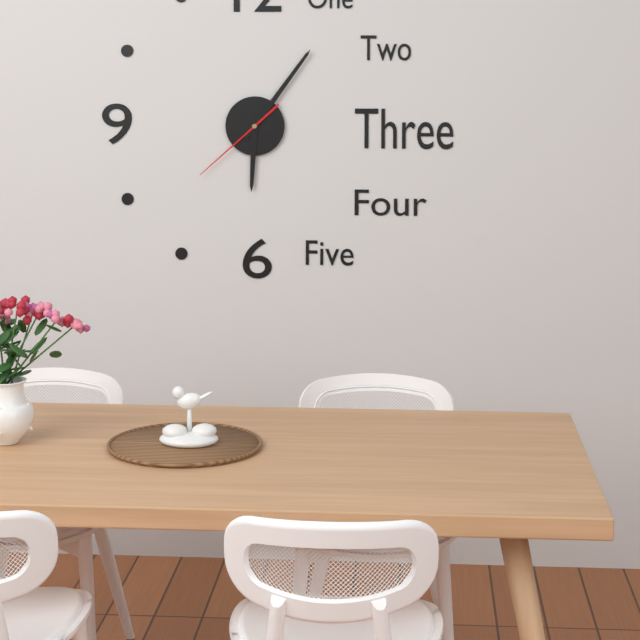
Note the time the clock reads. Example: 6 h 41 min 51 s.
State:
6 h 06 min 38 s
